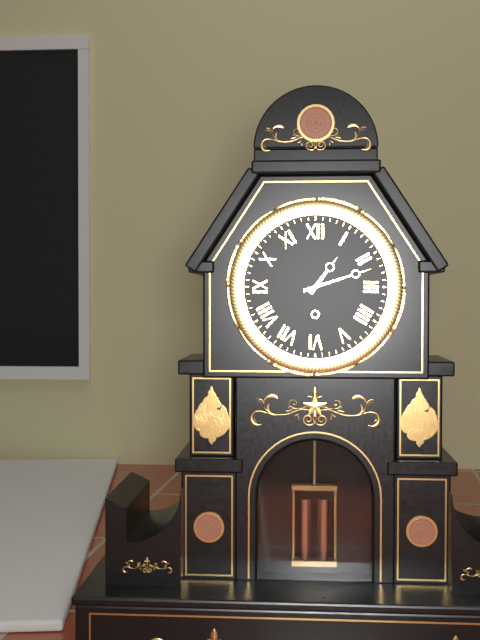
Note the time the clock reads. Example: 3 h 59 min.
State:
1 h 12 min
